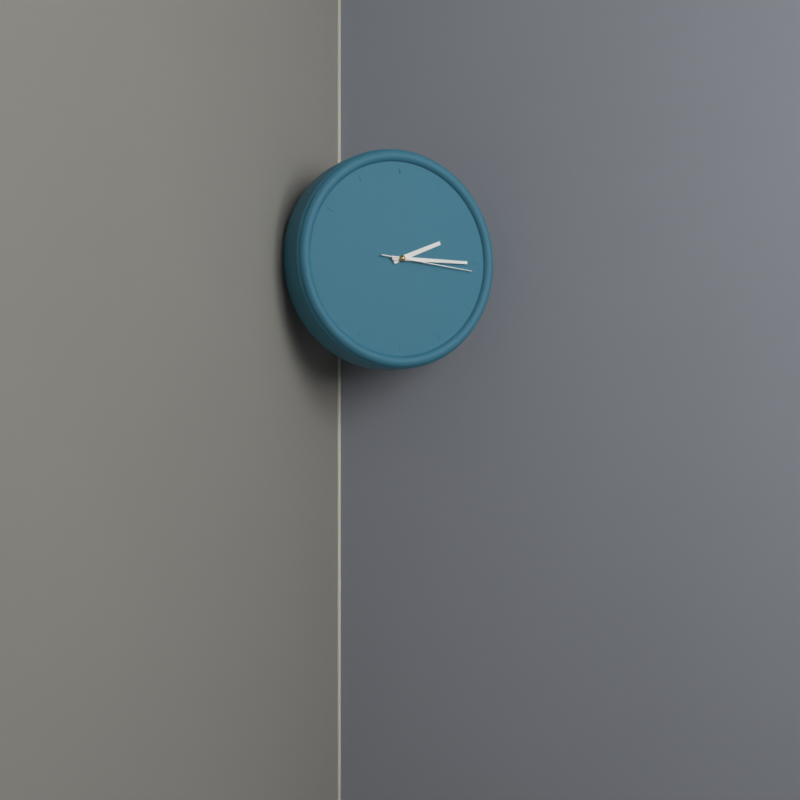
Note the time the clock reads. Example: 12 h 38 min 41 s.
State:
2 h 15 min 16 s
